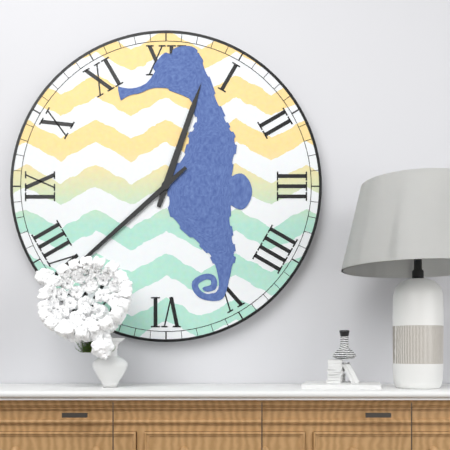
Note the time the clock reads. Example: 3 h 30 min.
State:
12 h 38 min
